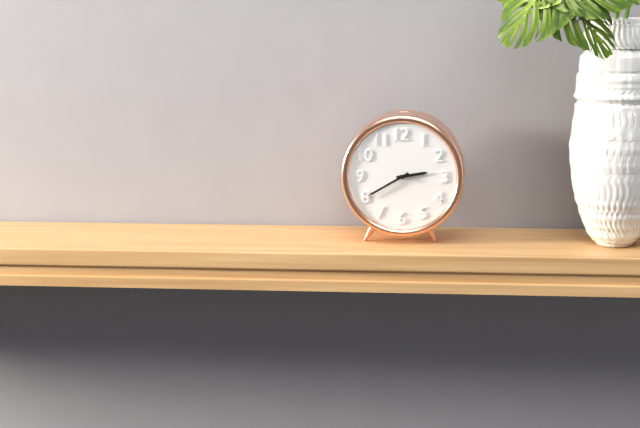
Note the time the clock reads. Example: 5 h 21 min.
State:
2 h 40 min
